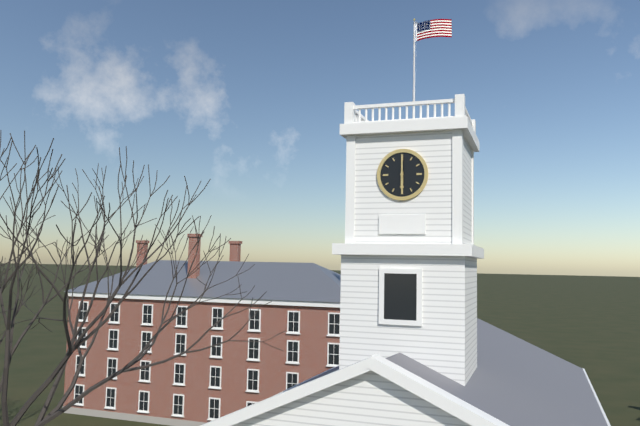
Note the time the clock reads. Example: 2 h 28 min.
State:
6 h 00 min
